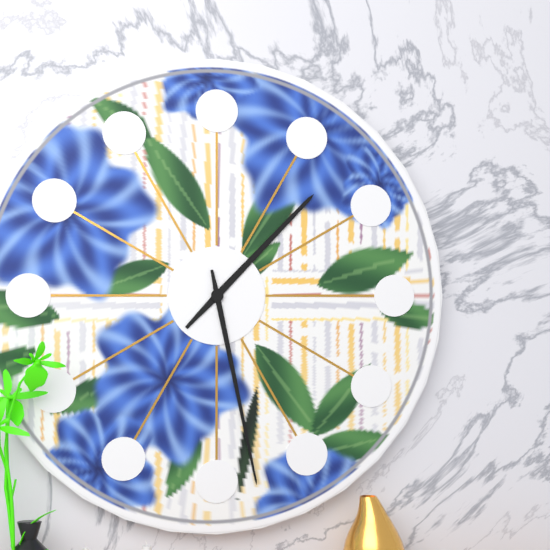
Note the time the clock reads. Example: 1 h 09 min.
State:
1 h 28 min
